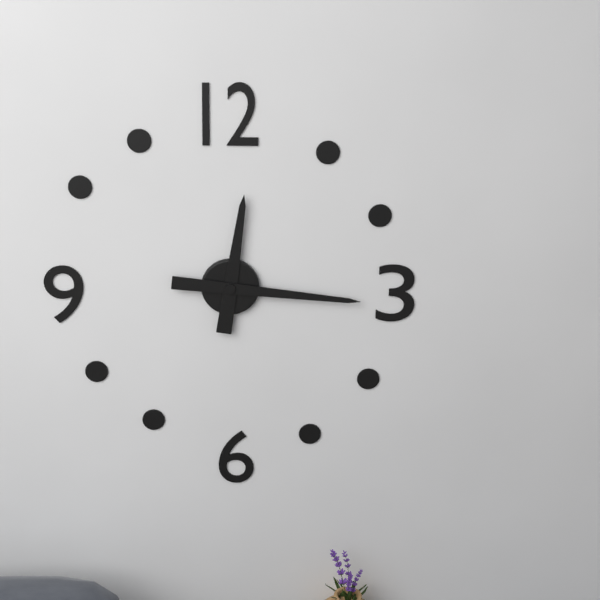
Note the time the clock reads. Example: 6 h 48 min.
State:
12 h 16 min
